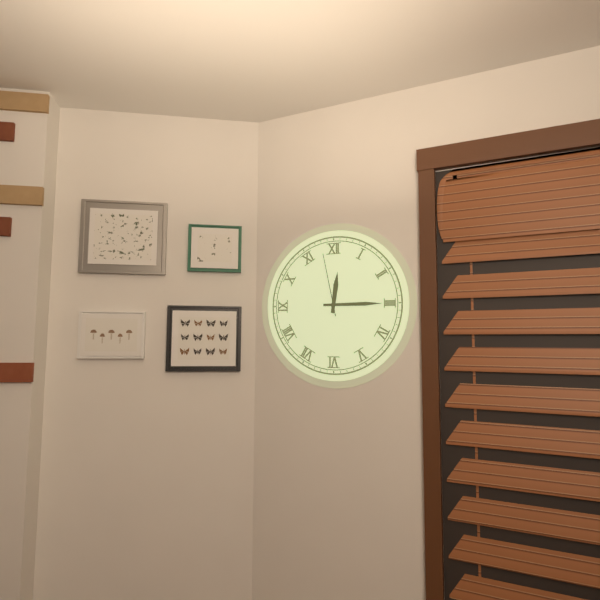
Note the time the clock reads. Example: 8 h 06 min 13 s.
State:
12 h 15 min 58 s
